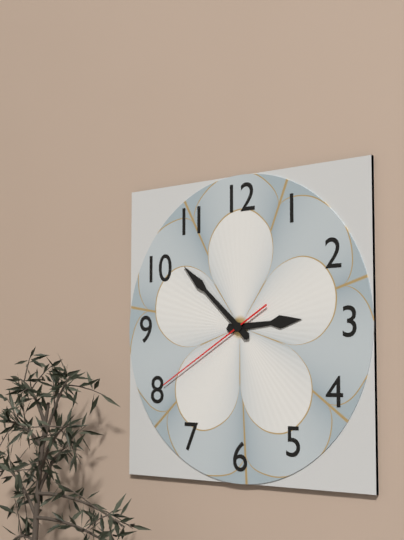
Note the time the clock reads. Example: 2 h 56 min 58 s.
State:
2 h 52 min 40 s
